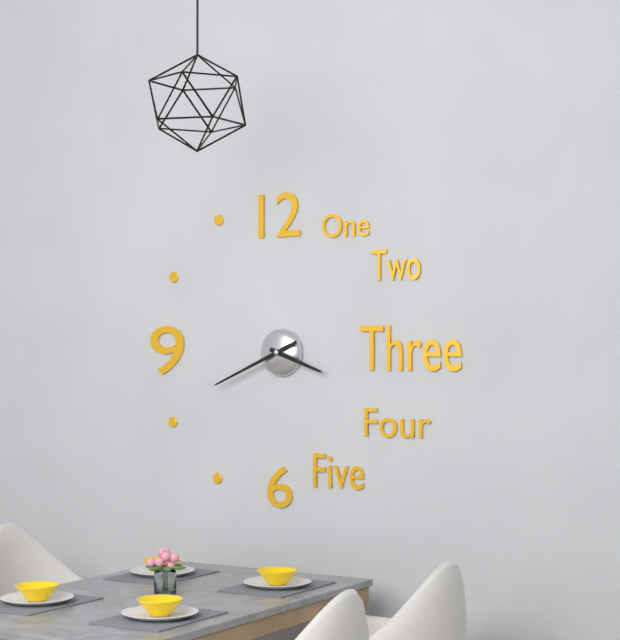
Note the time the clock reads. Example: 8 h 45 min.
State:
3 h 41 min
